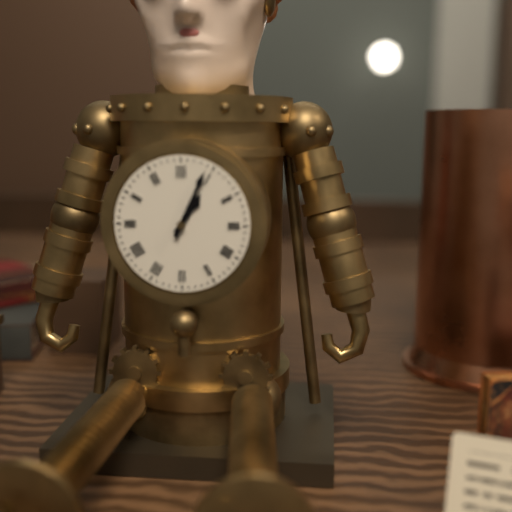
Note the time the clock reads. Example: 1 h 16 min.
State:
1 h 04 min
